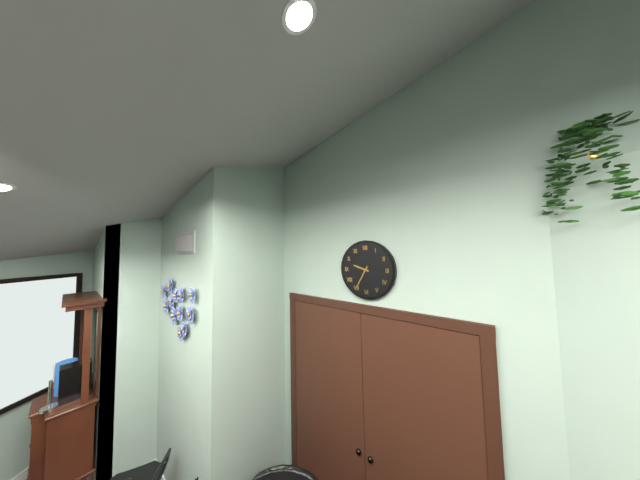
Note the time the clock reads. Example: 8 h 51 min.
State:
9 h 35 min
